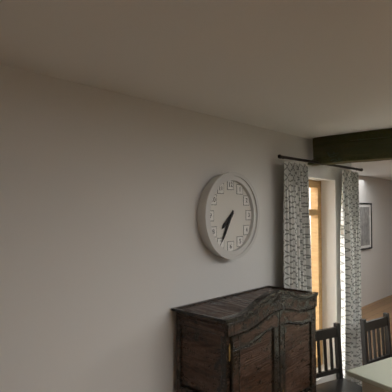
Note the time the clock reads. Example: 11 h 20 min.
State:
7 h 35 min
